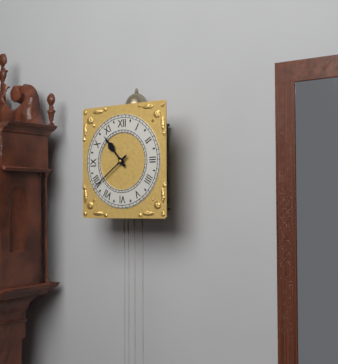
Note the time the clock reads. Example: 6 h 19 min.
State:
10 h 39 min
